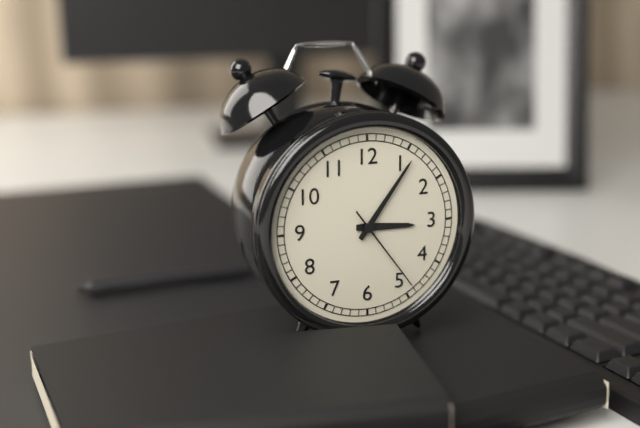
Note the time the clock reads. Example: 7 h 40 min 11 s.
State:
3 h 06 min 24 s
